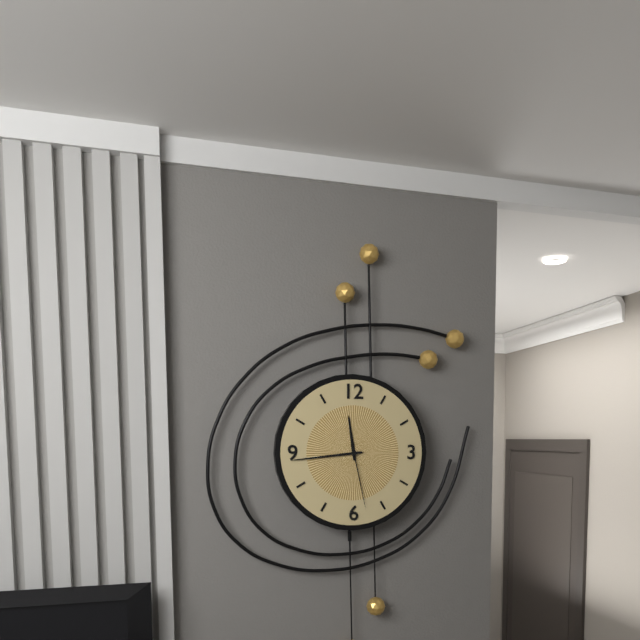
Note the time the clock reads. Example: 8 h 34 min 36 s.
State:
11 h 44 min 28 s
